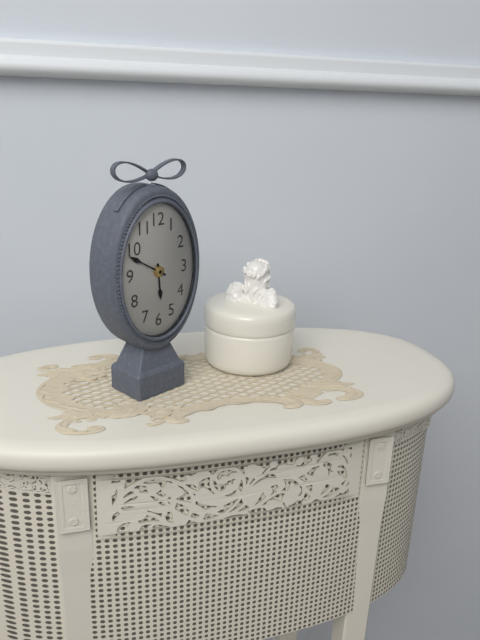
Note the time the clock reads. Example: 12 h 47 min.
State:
5 h 50 min
